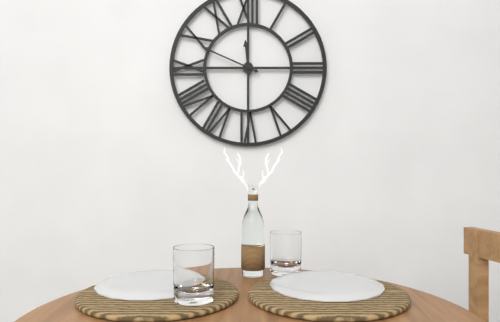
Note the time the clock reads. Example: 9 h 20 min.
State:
11 h 49 min
